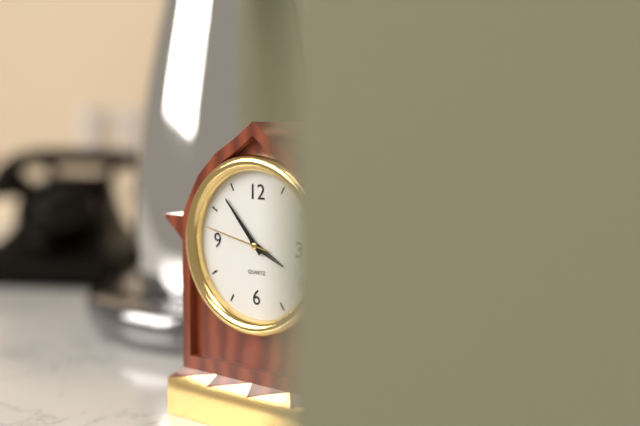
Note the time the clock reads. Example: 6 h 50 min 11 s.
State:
3 h 53 min 47 s
